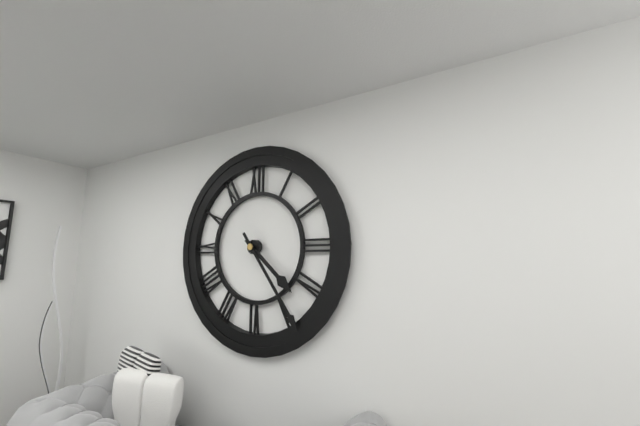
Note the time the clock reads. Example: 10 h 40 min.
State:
4 h 24 min
